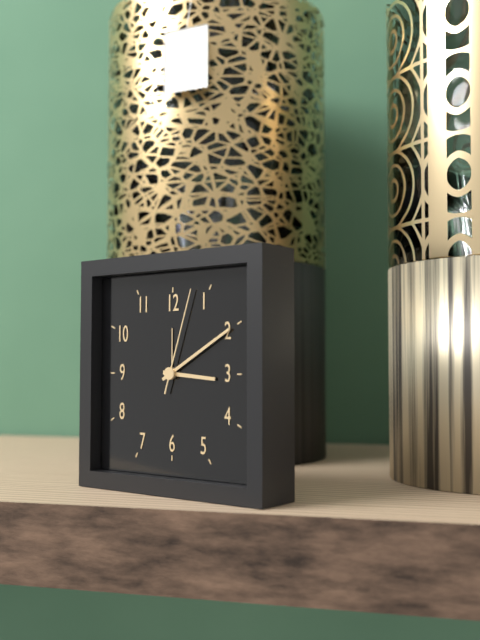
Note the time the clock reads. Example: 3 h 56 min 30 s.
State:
3 h 10 min 03 s
